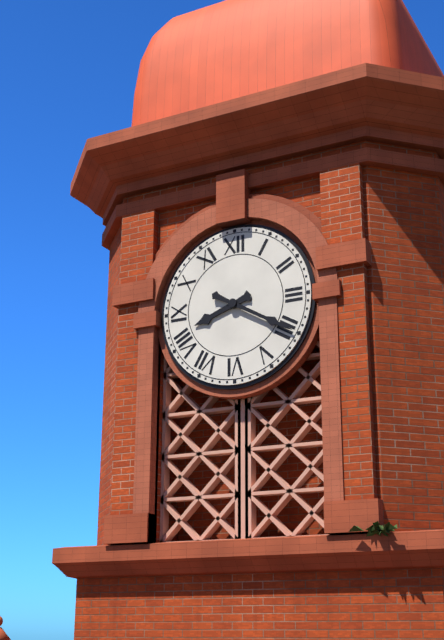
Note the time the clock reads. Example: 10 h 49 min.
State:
8 h 20 min
